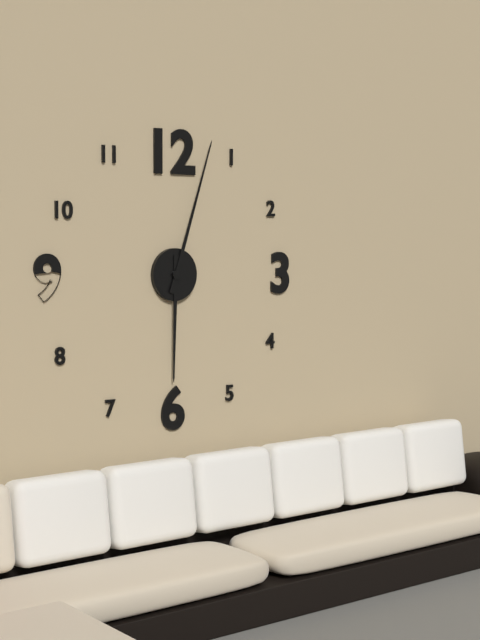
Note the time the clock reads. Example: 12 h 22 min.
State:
6 h 03 min
